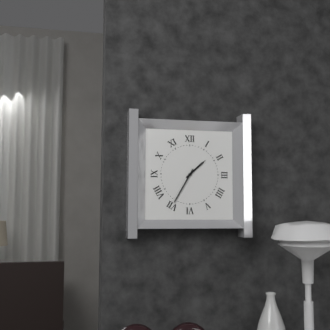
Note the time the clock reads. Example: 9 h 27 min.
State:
1 h 35 min
